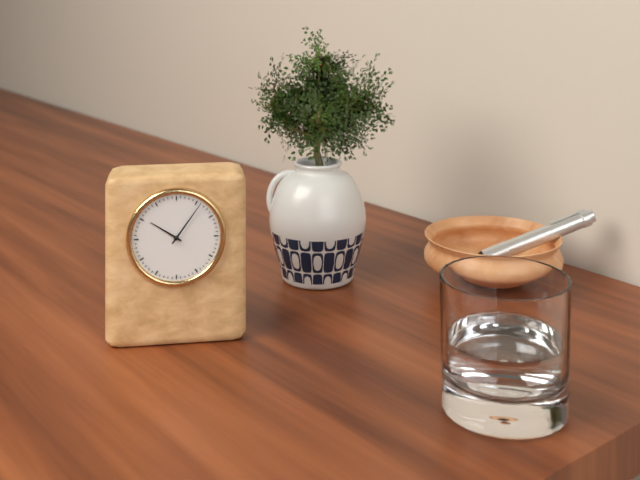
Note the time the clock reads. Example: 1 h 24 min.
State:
10 h 06 min
